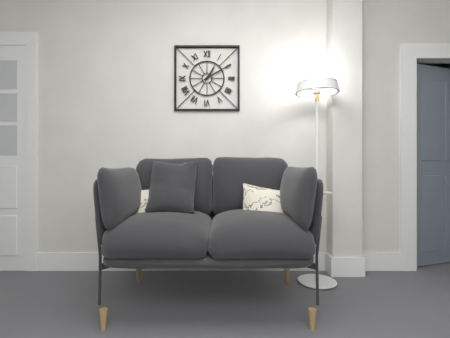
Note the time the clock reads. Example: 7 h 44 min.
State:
1 h 10 min
